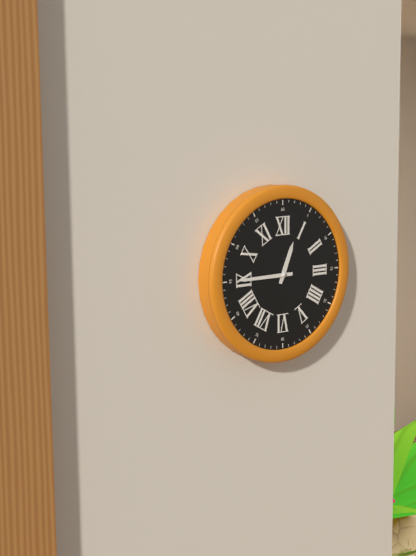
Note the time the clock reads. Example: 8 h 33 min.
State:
12 h 45 min
